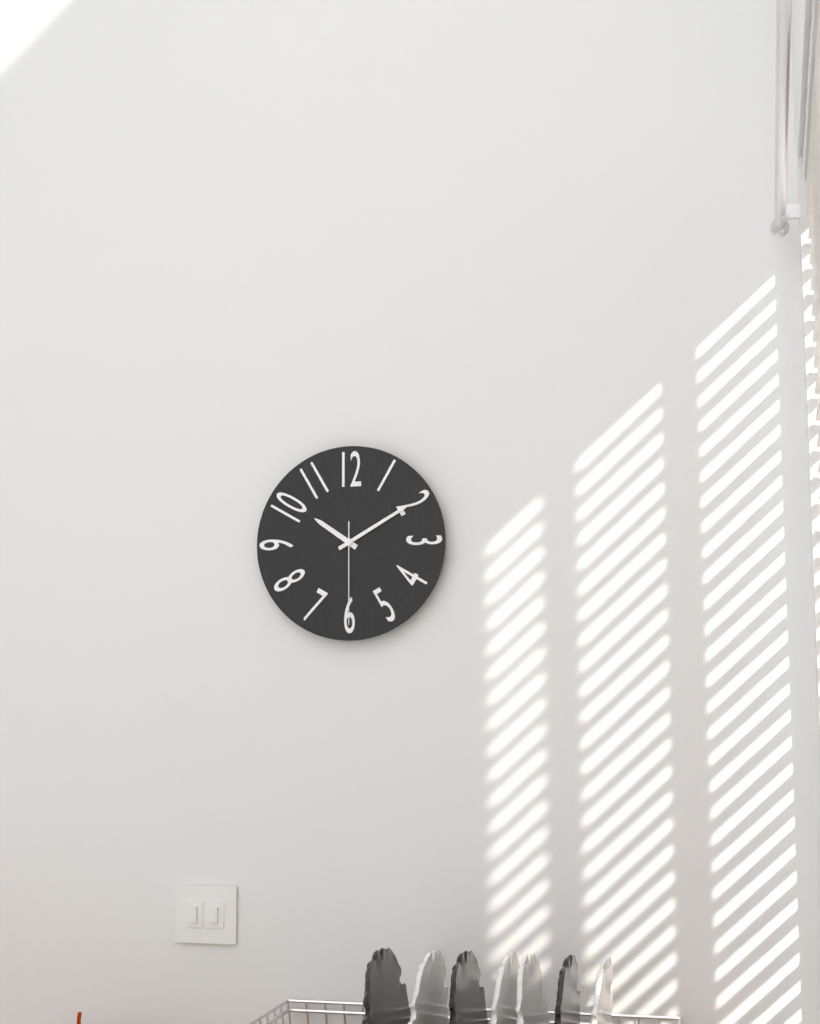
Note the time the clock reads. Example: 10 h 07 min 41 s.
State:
10 h 10 min 30 s
